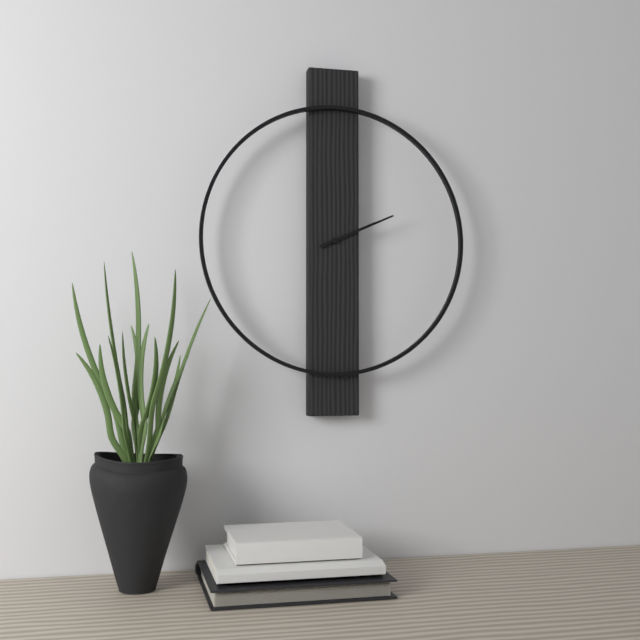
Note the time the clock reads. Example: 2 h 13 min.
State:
2 h 11 min
